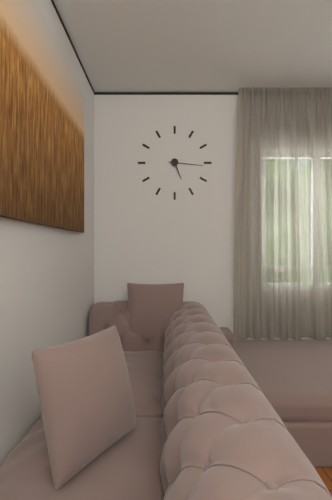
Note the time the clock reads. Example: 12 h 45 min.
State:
5 h 16 min
